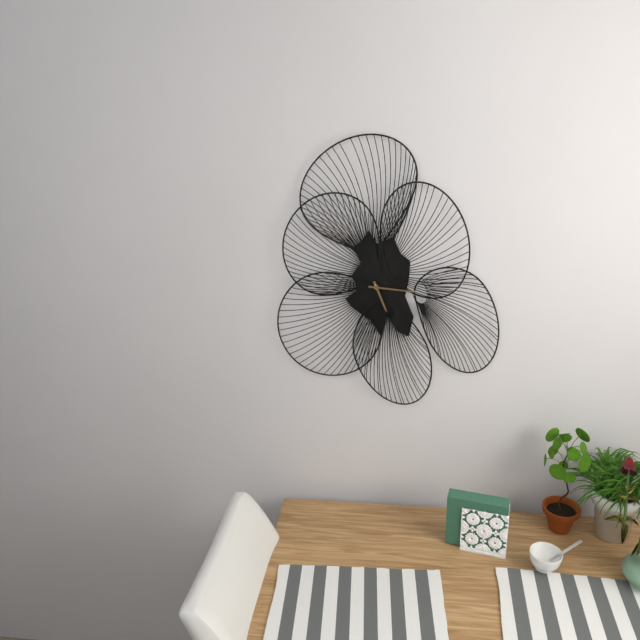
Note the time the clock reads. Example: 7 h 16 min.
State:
5 h 16 min
